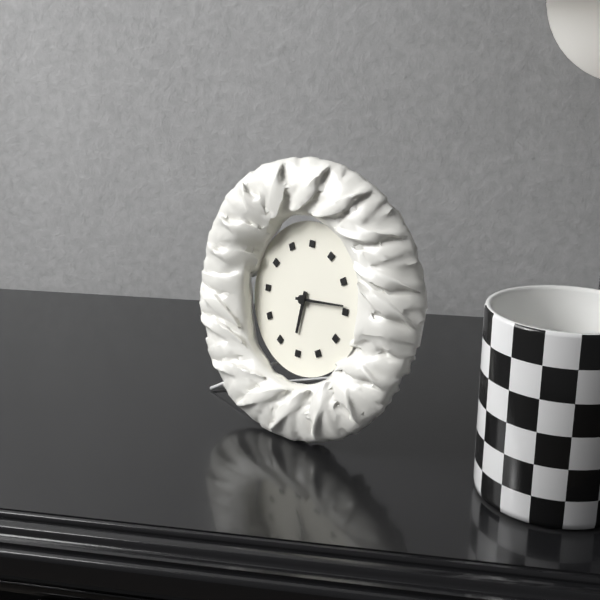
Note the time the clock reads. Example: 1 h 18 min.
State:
6 h 14 min
